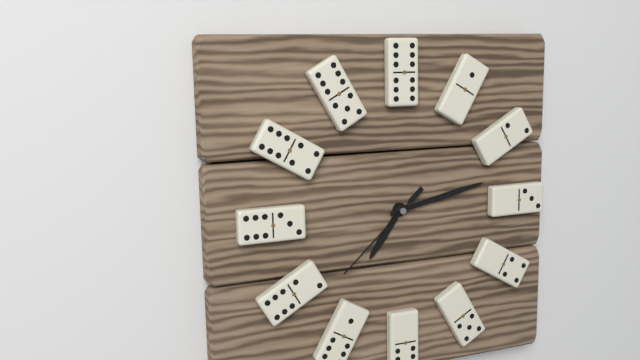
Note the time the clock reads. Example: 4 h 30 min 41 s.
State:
7 h 13 min 38 s
